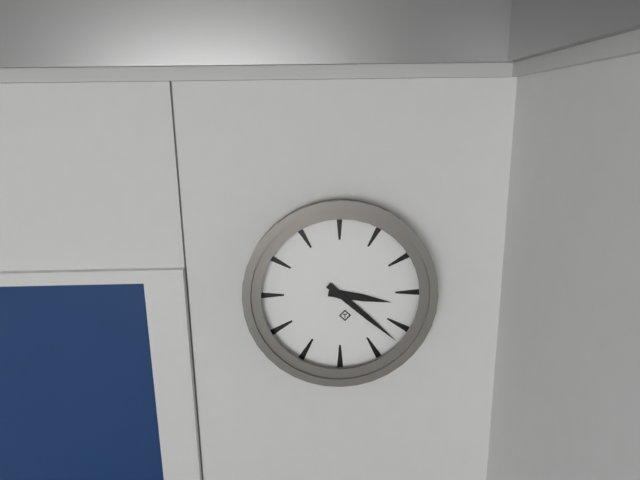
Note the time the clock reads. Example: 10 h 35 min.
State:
3 h 22 min
